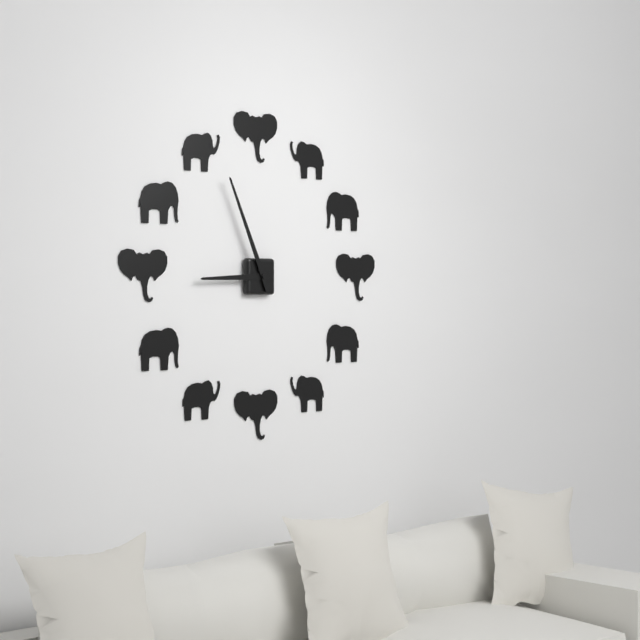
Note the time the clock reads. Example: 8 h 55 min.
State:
8 h 56 min
